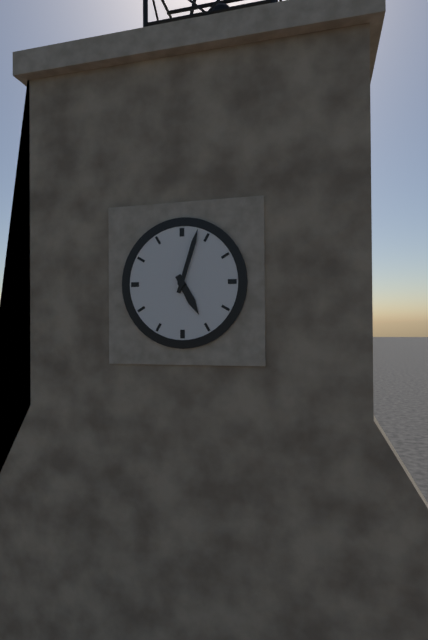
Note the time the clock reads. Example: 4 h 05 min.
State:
5 h 03 min
